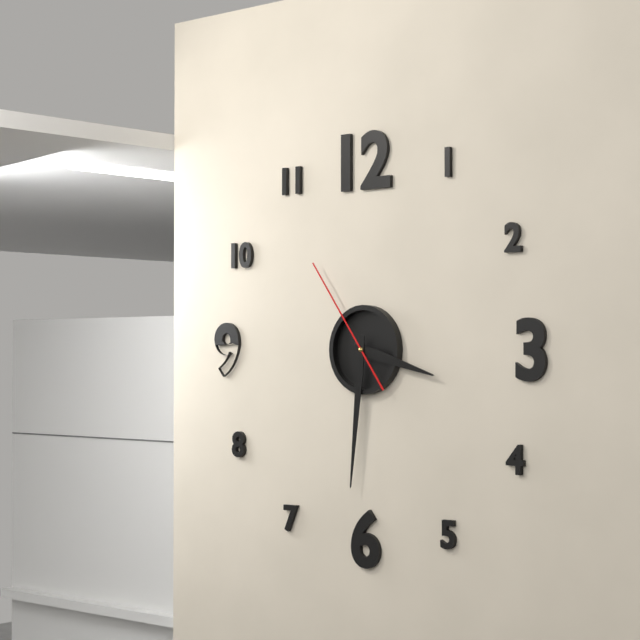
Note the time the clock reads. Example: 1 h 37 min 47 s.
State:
3 h 31 min 54 s
